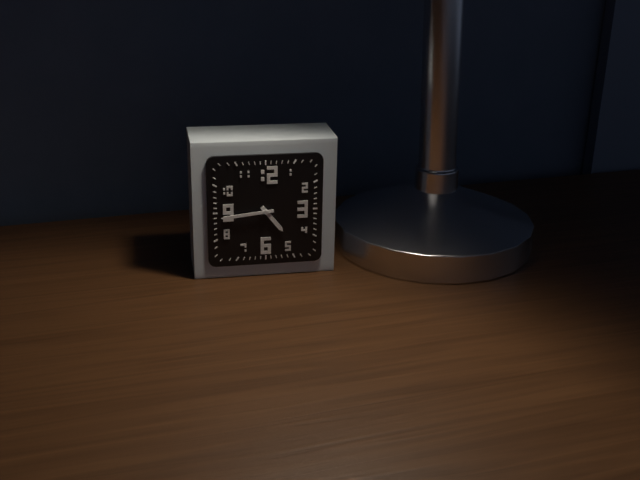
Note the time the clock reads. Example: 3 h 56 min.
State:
4 h 44 min
